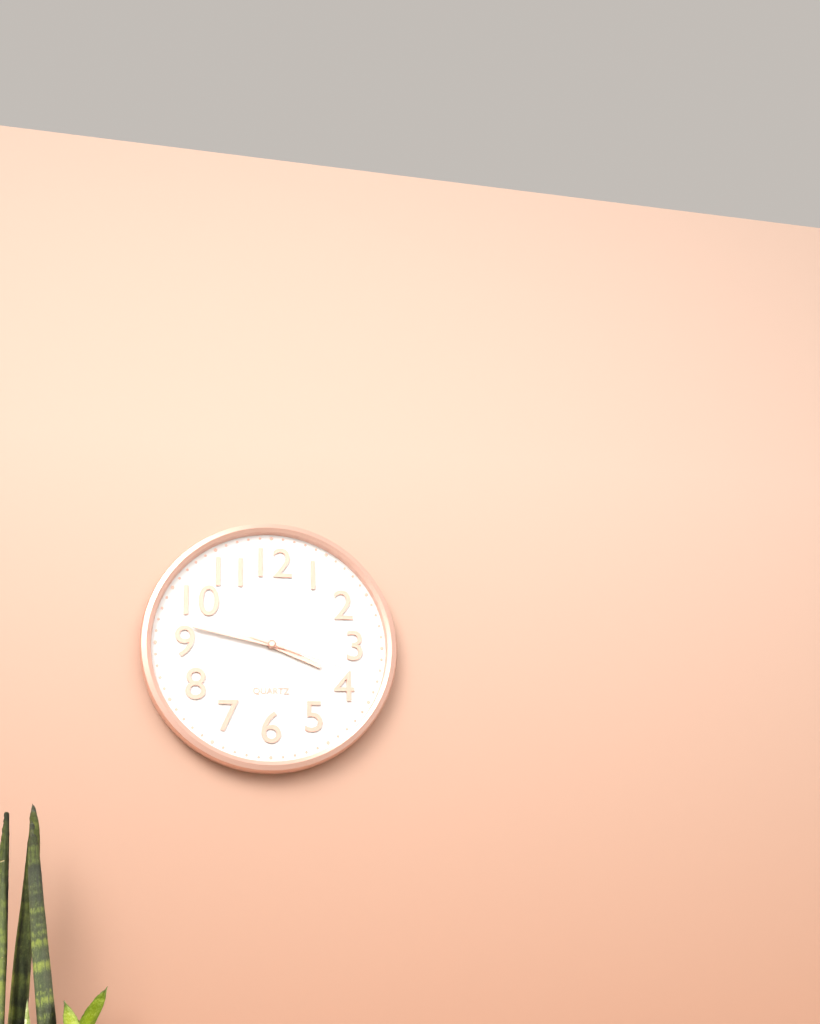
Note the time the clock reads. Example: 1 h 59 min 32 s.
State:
3 h 47 min 18 s
